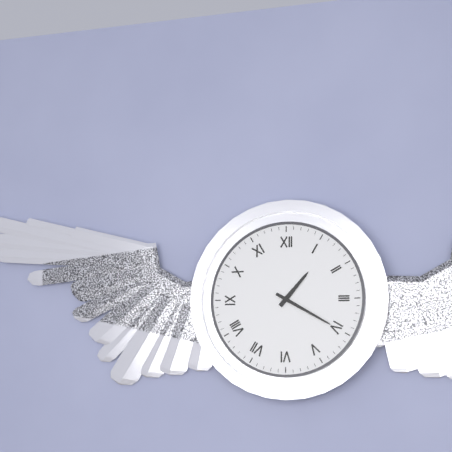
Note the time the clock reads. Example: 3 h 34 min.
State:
1 h 20 min
